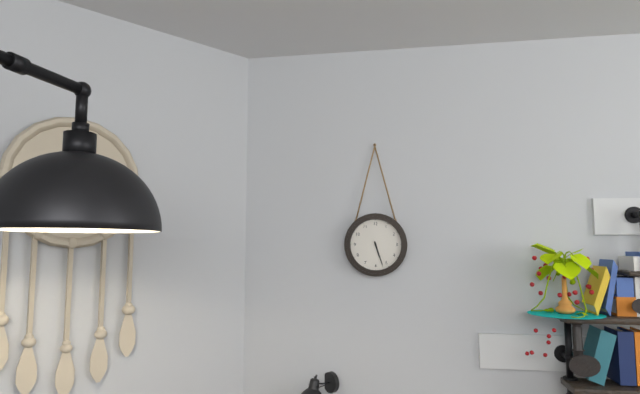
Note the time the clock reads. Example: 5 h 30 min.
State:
5 h 27 min
